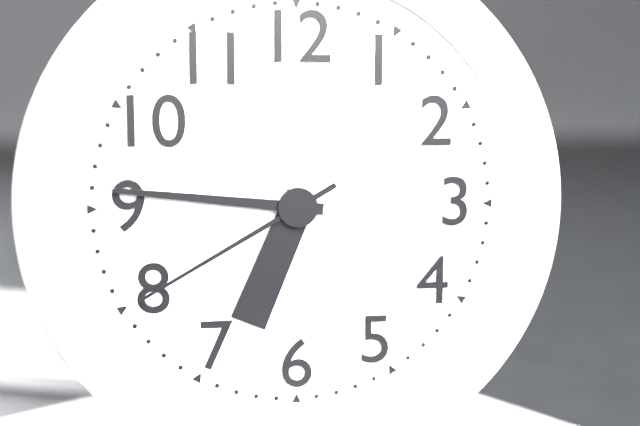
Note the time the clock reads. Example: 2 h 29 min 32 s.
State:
6 h 46 min 40 s
